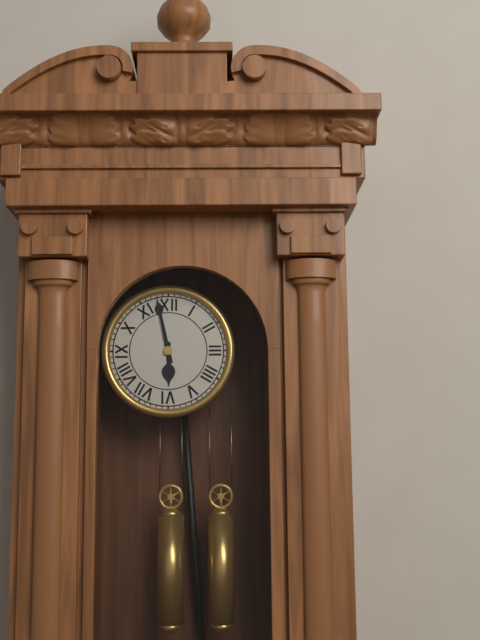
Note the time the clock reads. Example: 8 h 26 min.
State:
5 h 58 min
